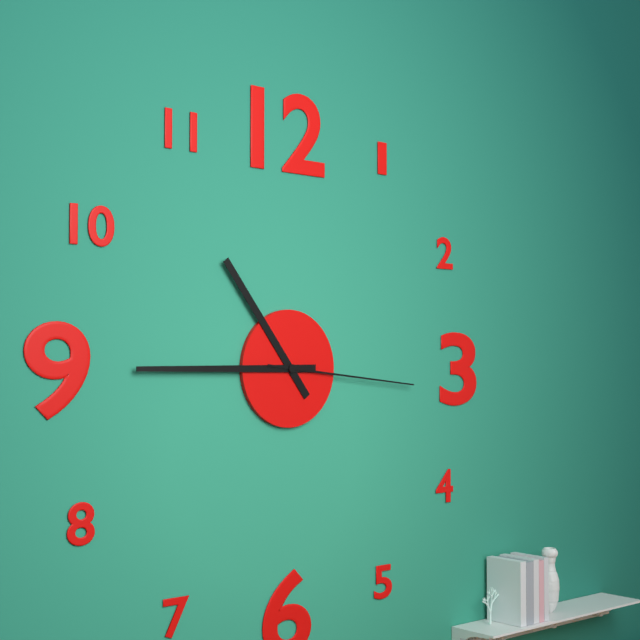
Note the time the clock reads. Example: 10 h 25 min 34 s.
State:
10 h 45 min 16 s
